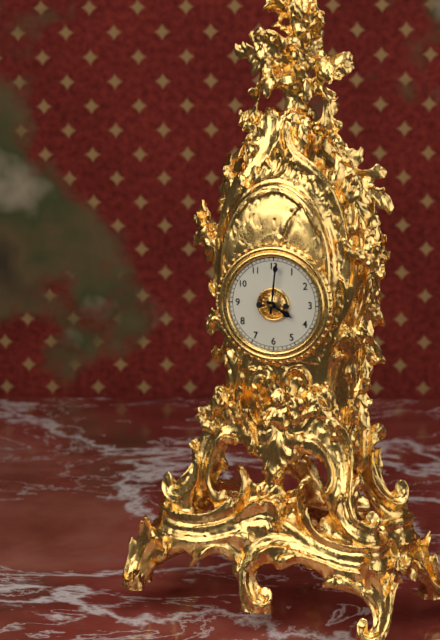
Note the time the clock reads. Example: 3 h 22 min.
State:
4 h 01 min
